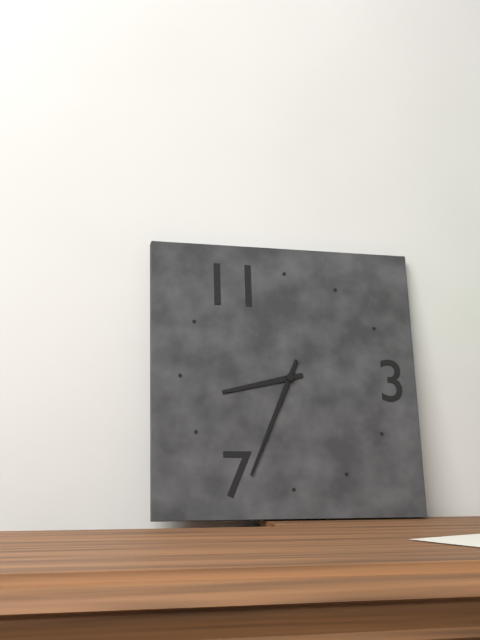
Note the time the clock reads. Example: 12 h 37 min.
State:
8 h 34 min
